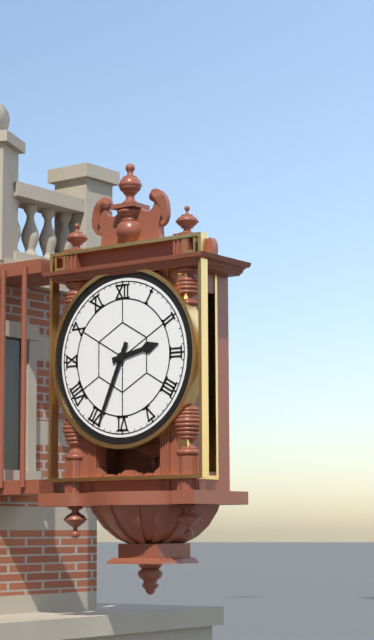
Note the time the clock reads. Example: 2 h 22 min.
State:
2 h 34 min
